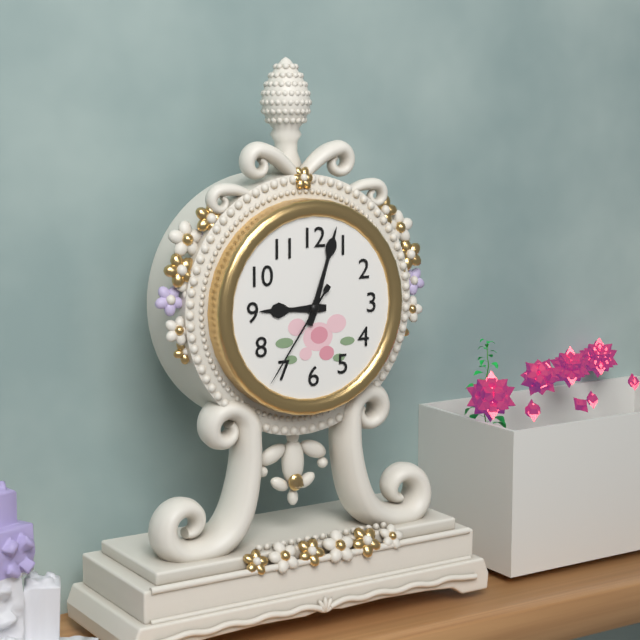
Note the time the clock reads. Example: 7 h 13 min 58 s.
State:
9 h 03 min 36 s
